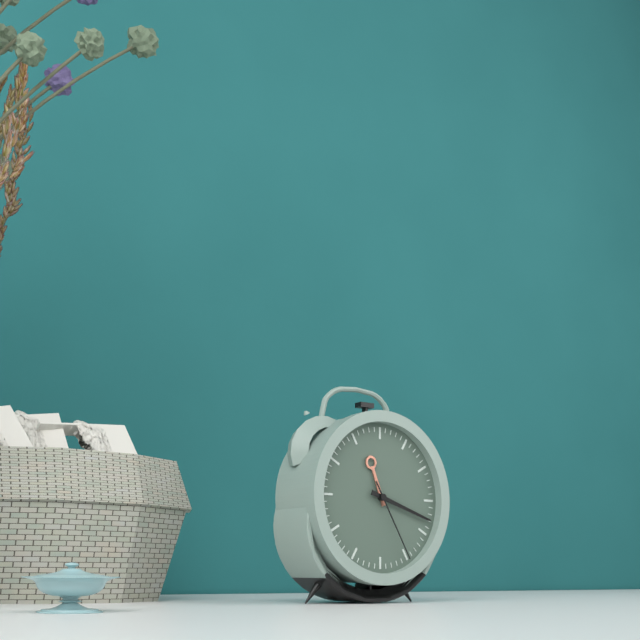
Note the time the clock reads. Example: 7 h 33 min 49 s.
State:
11 h 18 min 25 s
